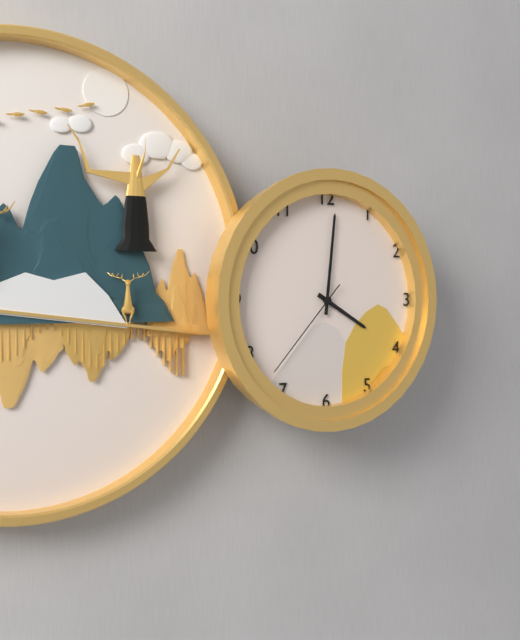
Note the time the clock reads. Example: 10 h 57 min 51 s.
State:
4 h 01 min 37 s
